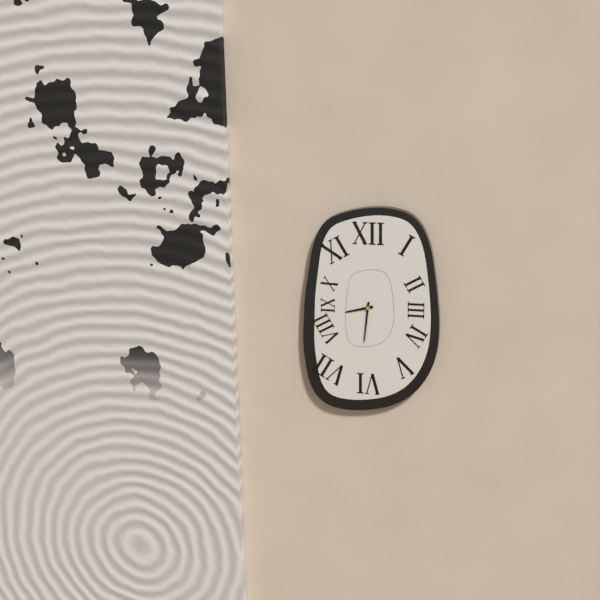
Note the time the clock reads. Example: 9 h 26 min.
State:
8 h 31 min
